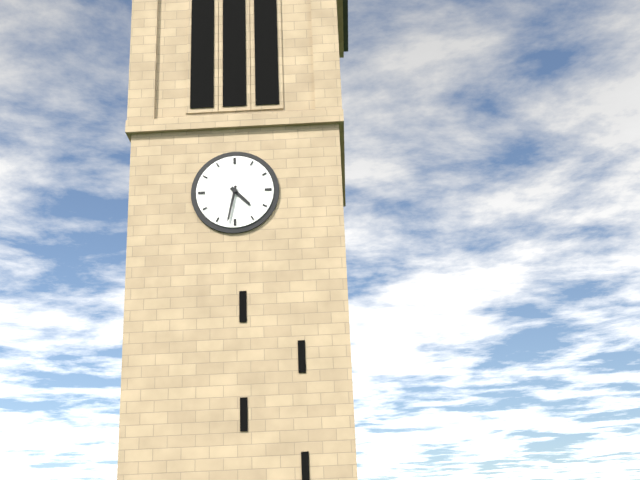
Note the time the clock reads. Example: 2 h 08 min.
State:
4 h 32 min
